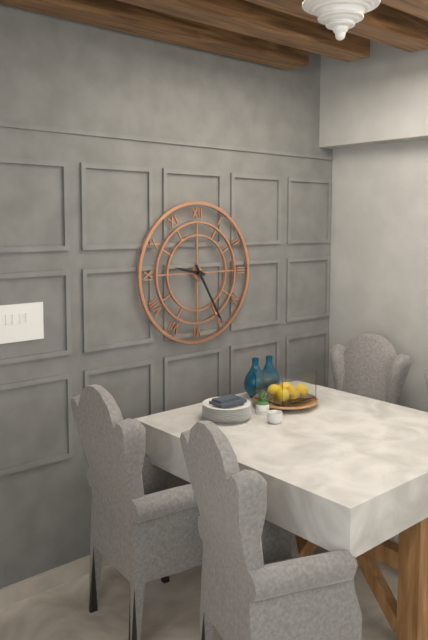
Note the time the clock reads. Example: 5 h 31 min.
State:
9 h 25 min
